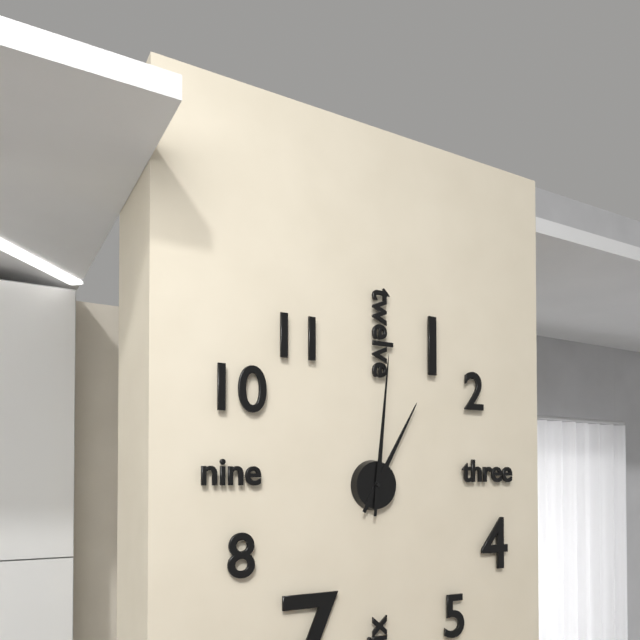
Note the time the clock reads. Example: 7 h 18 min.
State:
1 h 01 min
